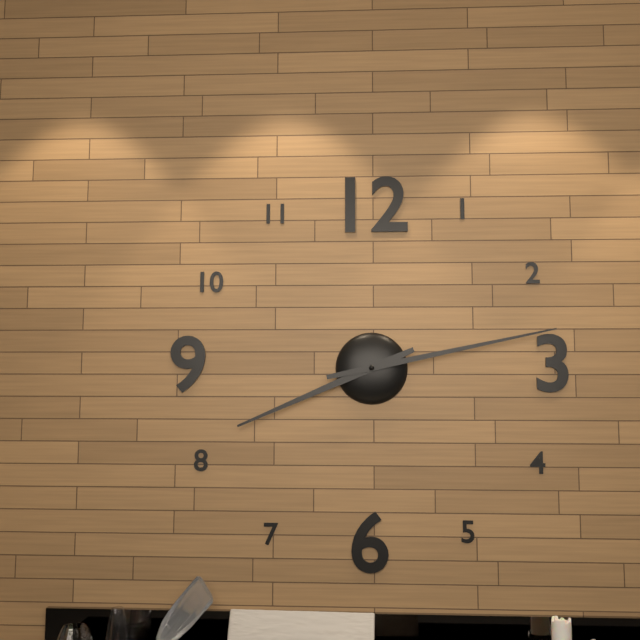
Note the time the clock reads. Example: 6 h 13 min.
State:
8 h 13 min
